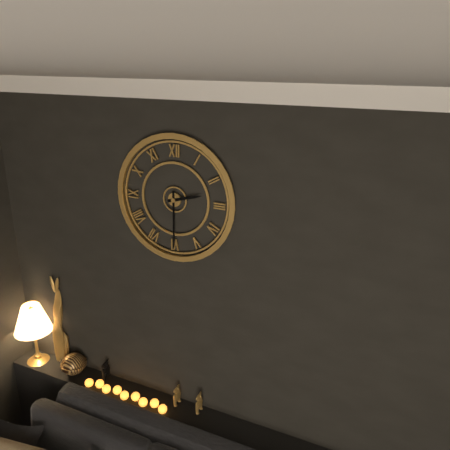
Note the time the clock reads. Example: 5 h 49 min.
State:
2 h 30 min
